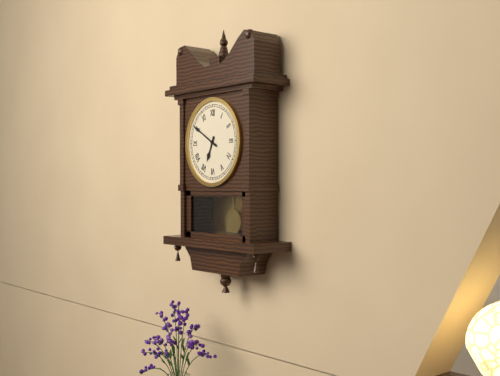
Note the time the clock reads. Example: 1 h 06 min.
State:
6 h 50 min
